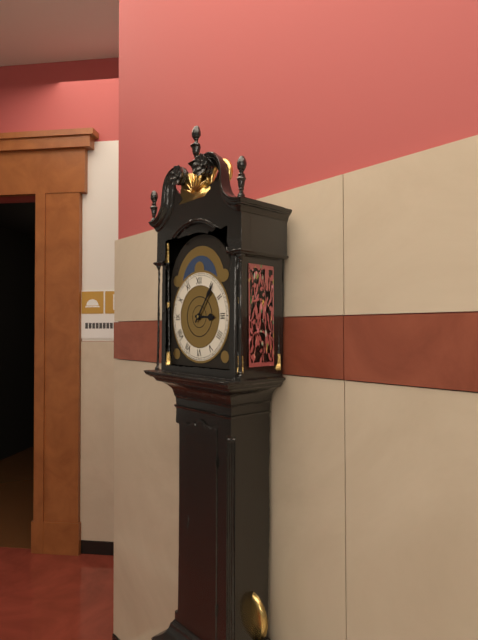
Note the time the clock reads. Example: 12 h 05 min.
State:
3 h 06 min
